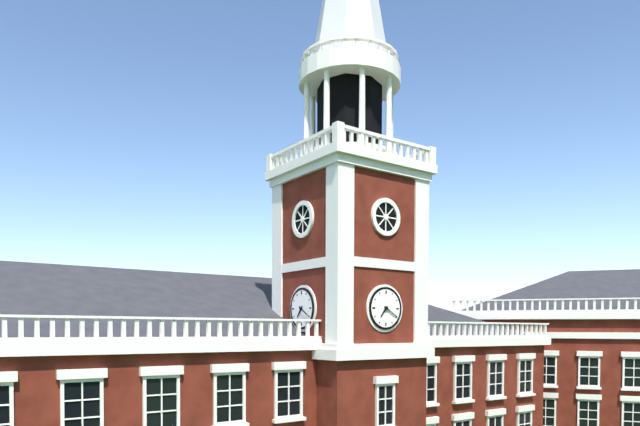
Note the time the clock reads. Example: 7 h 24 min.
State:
7 h 20 min
